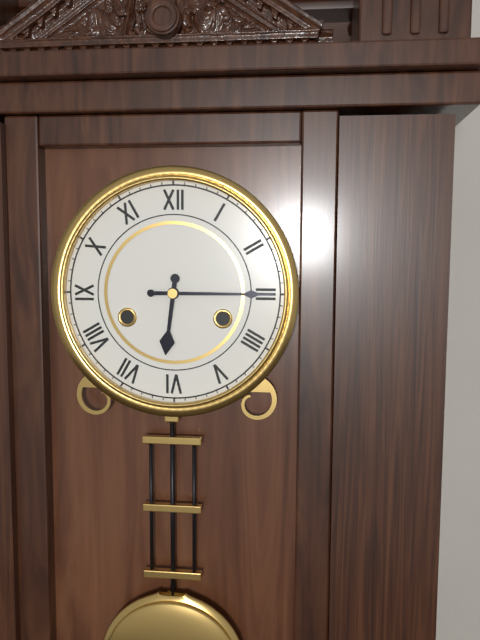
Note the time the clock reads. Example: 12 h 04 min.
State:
6 h 15 min
